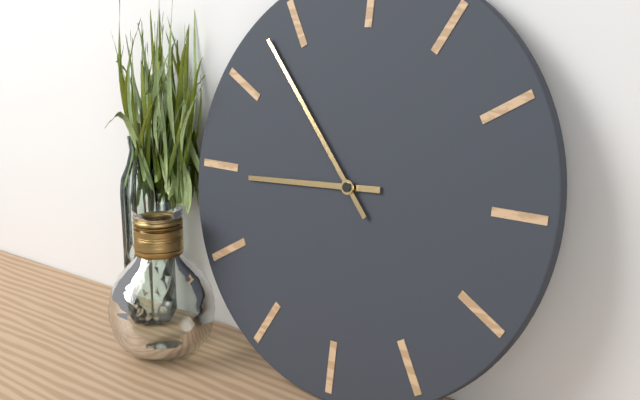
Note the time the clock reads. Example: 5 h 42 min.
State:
8 h 53 min
